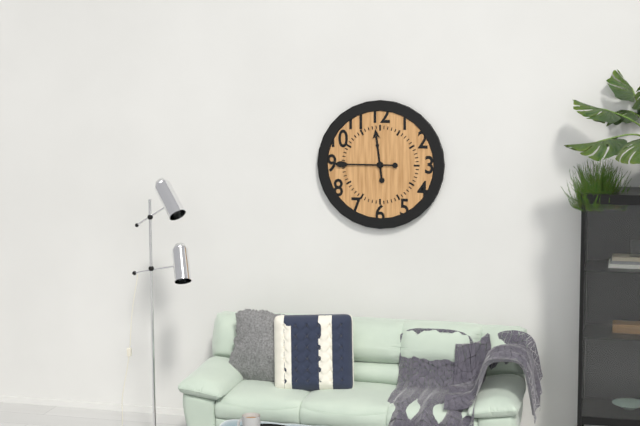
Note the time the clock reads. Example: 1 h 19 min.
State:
11 h 45 min
